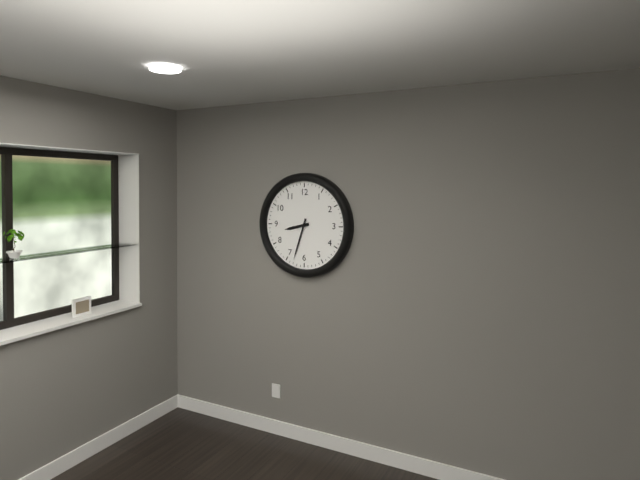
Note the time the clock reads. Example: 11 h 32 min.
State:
8 h 33 min
